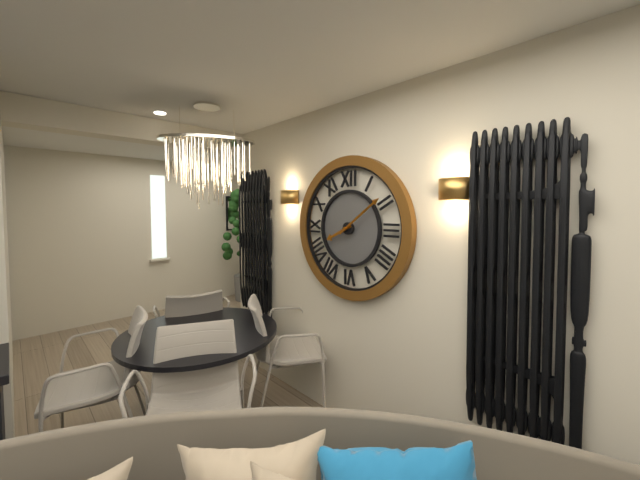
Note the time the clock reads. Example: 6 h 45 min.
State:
8 h 09 min
